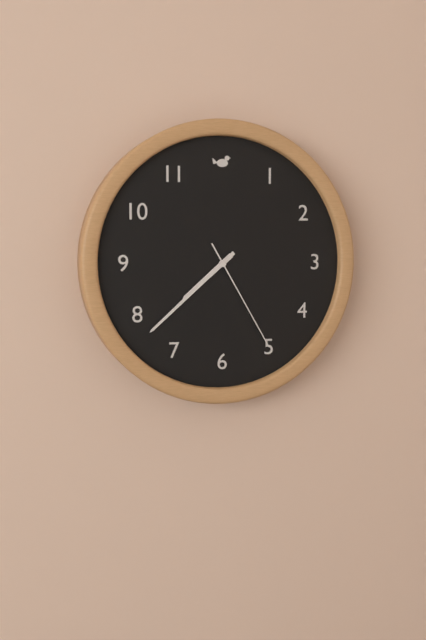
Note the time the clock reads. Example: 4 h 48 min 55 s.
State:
7 h 38 min 25 s
